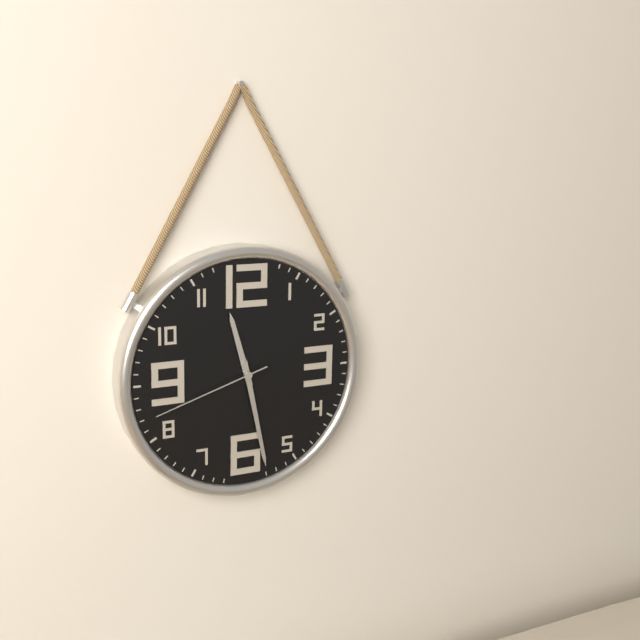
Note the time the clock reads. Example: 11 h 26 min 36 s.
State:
11 h 28 min 42 s
